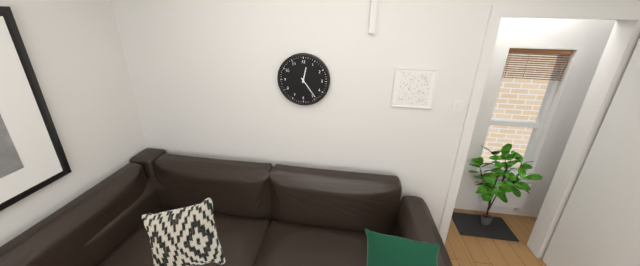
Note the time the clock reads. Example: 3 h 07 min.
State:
12 h 24 min
